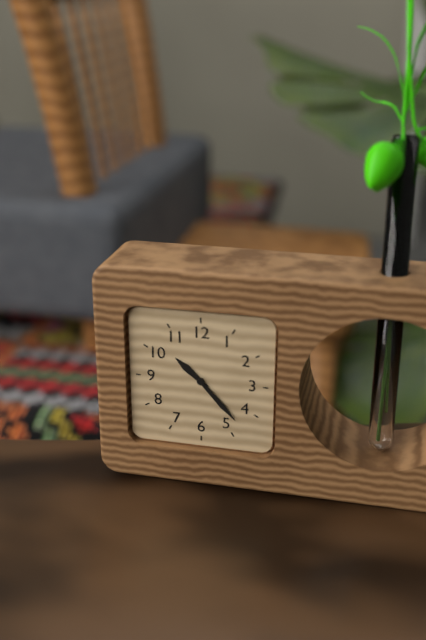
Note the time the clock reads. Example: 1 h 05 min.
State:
10 h 23 min
